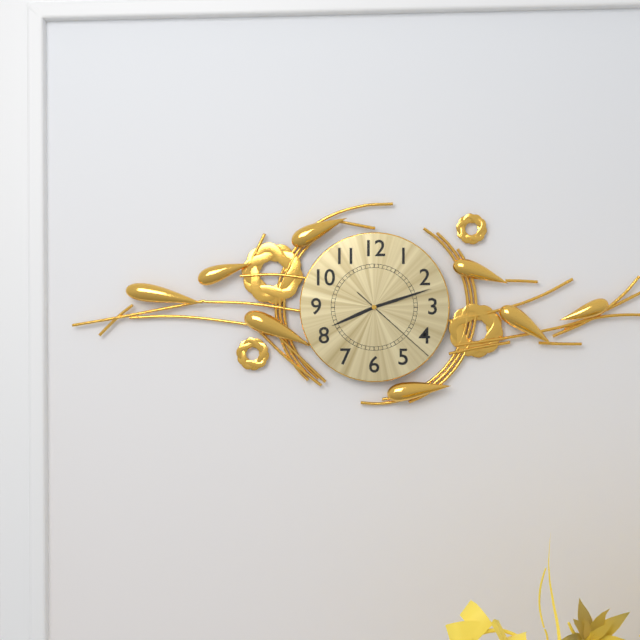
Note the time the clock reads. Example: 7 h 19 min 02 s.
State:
8 h 12 min 22 s
